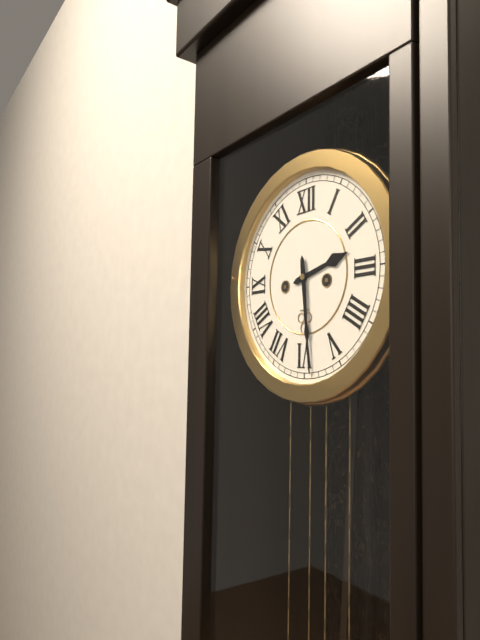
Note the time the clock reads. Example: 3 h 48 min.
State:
2 h 29 min
